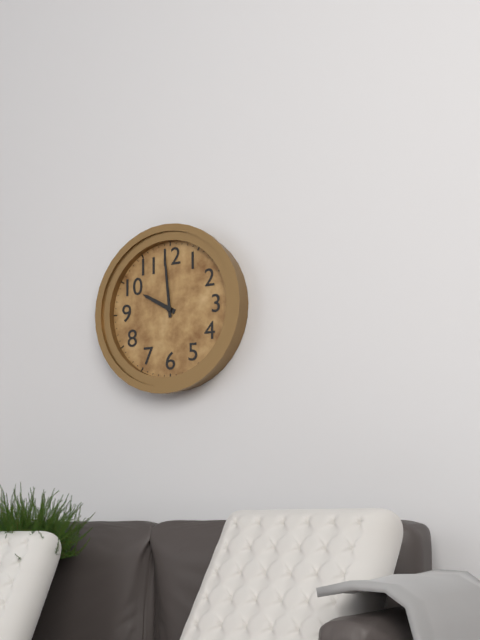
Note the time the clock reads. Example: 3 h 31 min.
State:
9 h 59 min
